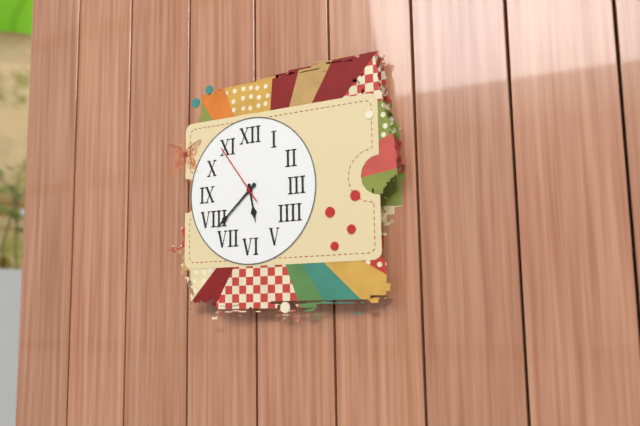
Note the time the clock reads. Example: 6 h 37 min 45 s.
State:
5 h 38 min 54 s
